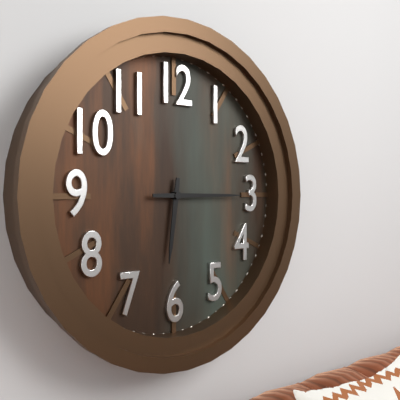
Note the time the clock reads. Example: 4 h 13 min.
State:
6 h 15 min
